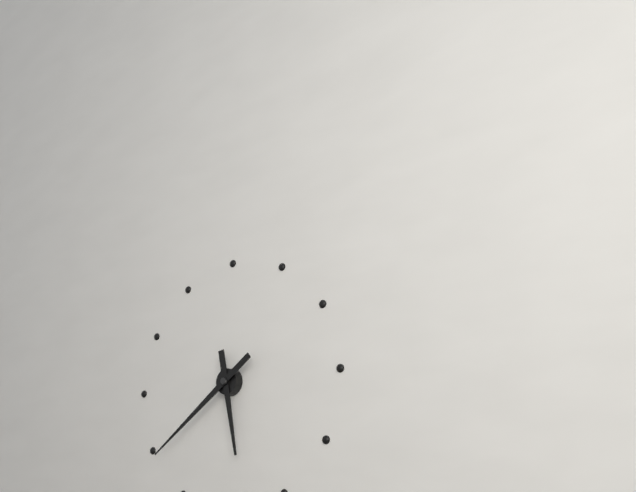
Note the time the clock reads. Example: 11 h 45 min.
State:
5 h 39 min
